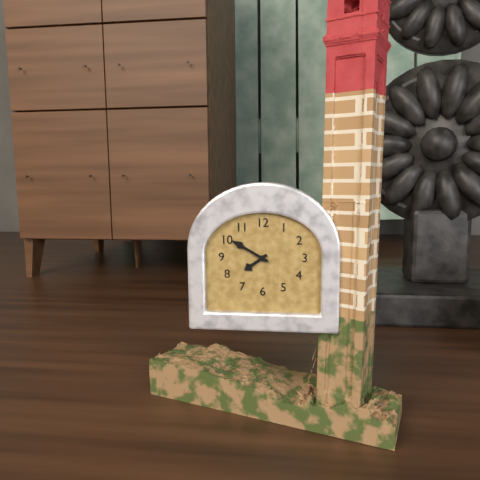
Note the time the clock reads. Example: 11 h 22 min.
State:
7 h 50 min
